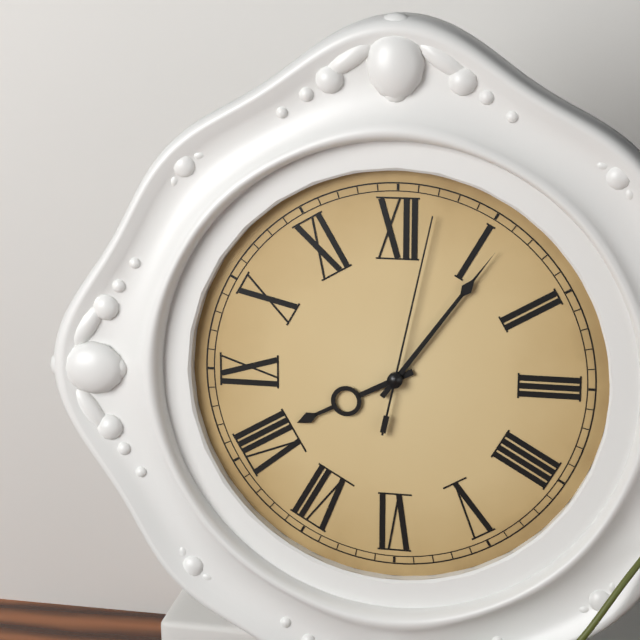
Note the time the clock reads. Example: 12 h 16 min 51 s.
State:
8 h 06 min 02 s
